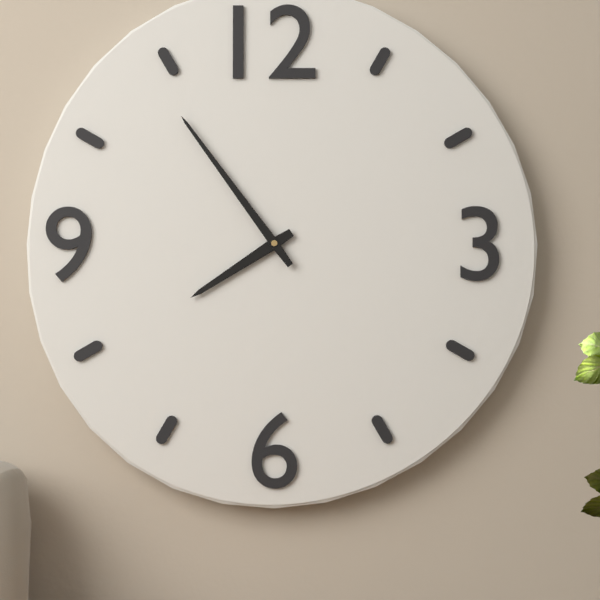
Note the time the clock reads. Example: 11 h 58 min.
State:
7 h 54 min
